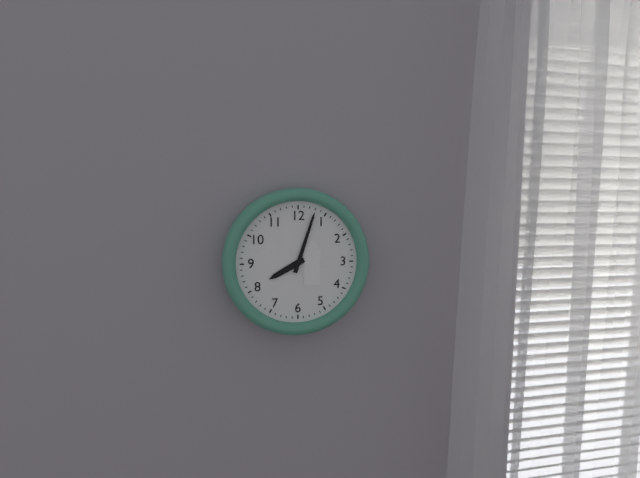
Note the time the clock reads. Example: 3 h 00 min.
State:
8 h 03 min
